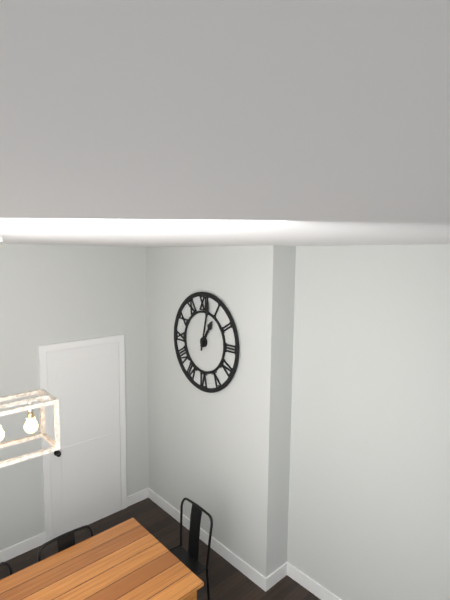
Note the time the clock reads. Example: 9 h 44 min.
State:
1 h 02 min
